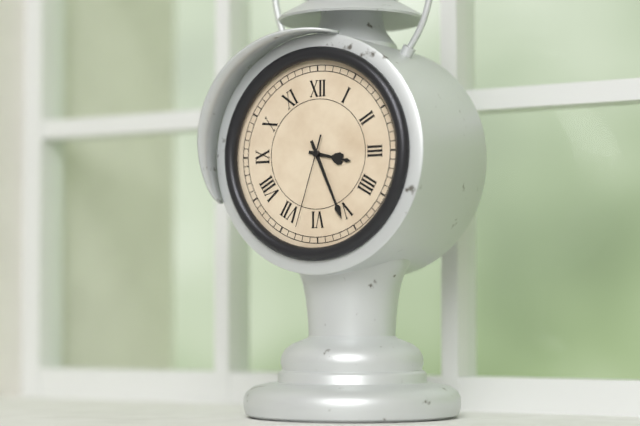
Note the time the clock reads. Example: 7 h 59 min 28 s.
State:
3 h 26 min 33 s
